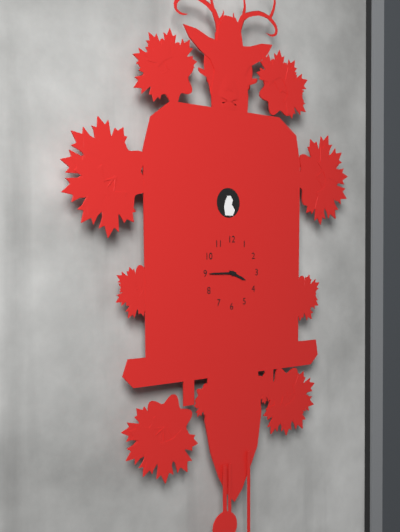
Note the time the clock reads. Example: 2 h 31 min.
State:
3 h 45 min
